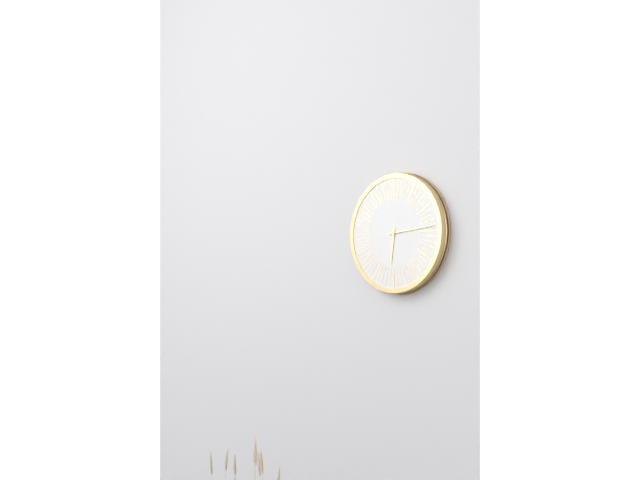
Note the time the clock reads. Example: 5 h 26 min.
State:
6 h 14 min
